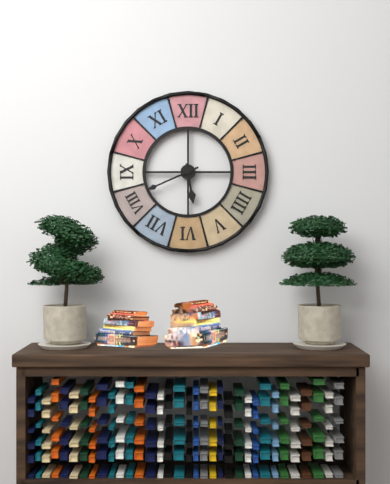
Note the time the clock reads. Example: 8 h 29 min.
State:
5 h 41 min
